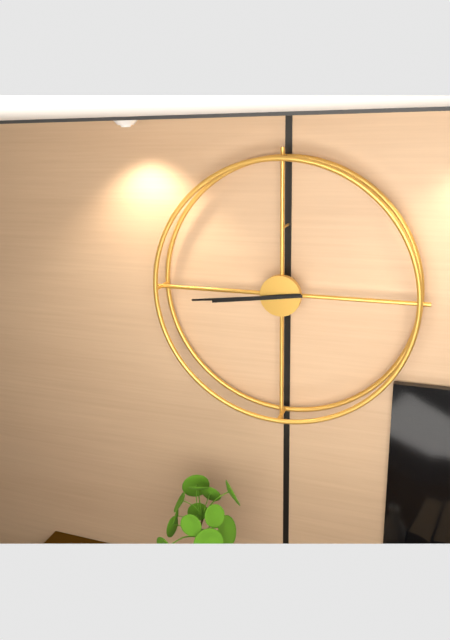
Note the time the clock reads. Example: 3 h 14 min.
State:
8 h 44 min
